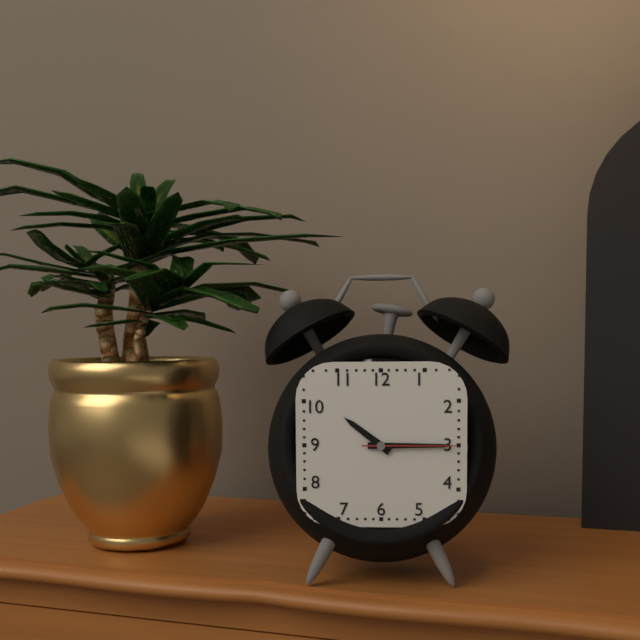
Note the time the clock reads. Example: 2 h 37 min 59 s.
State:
10 h 15 min 15 s
